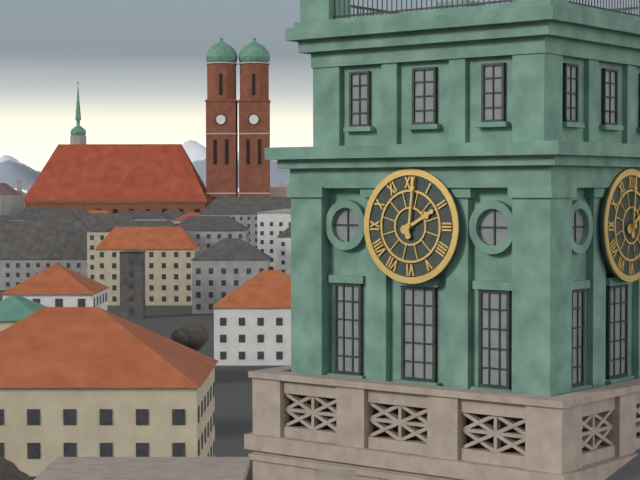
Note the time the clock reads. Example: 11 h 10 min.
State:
2 h 01 min
